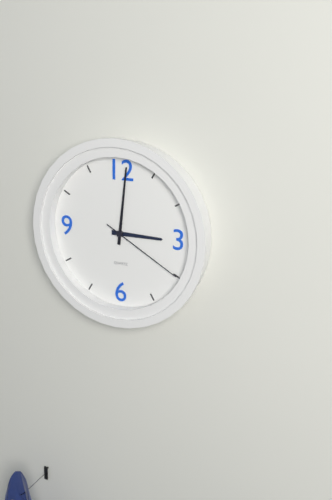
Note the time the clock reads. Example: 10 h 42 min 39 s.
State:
3 h 01 min 20 s
